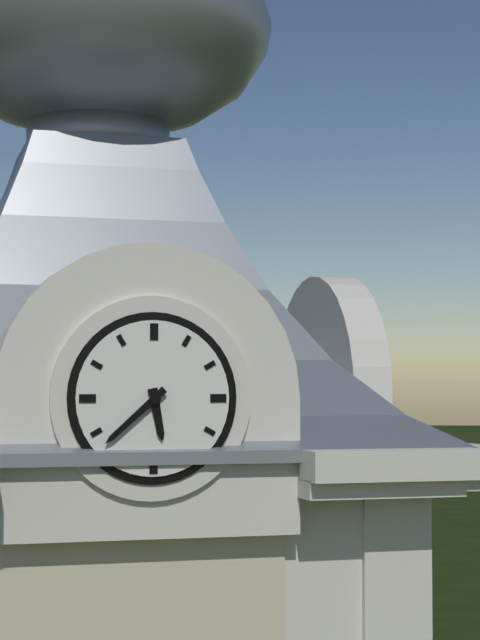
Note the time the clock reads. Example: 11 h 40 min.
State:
5 h 38 min
